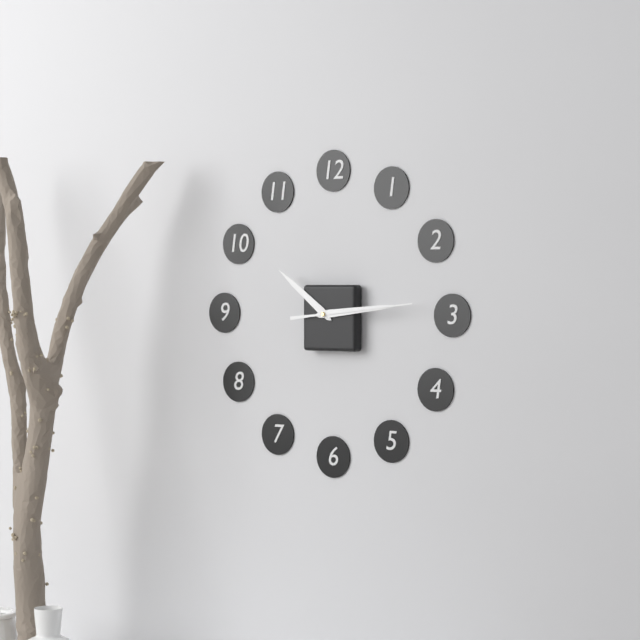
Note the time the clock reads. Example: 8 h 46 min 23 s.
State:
10 h 14 min 14 s
